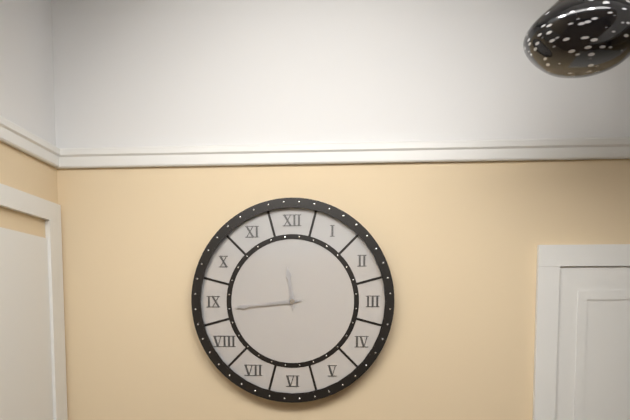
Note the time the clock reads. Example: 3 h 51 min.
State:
11 h 44 min
